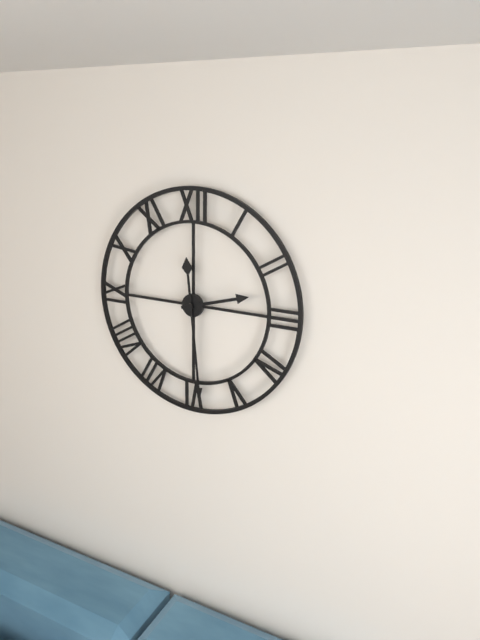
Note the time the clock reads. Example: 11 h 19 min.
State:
2 h 29 min
